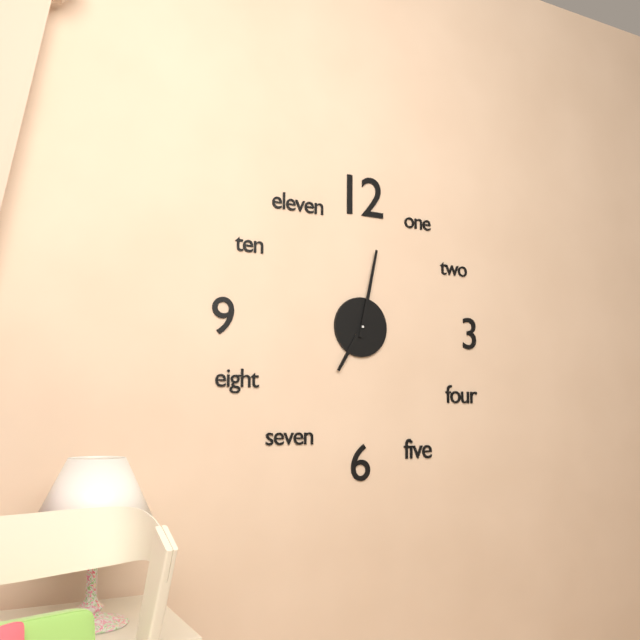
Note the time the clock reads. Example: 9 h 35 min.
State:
7 h 02 min
